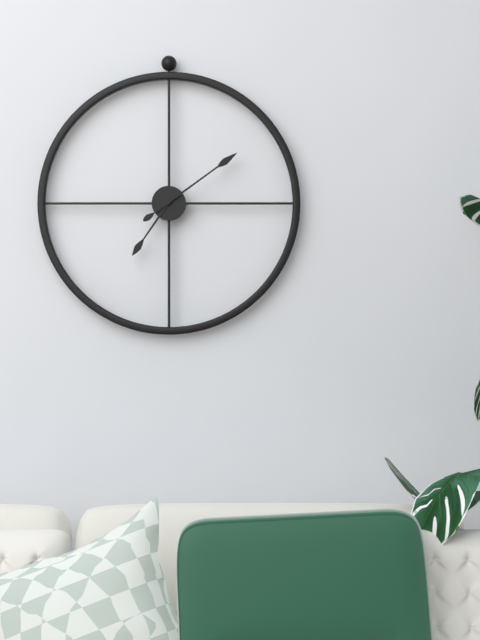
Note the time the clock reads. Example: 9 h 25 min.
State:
7 h 09 min
